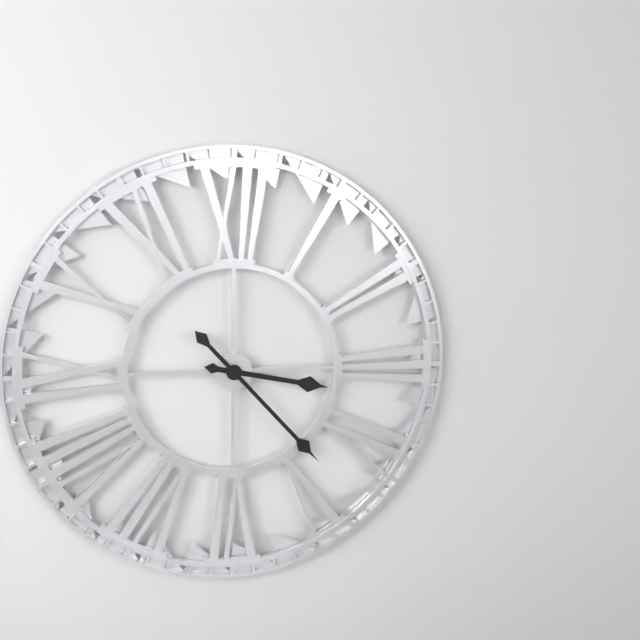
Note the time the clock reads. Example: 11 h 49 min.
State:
3 h 23 min
